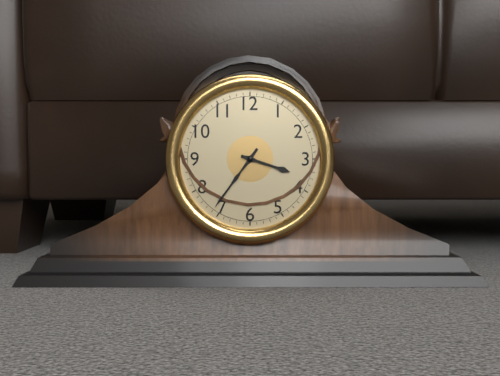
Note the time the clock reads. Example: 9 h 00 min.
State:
3 h 36 min
